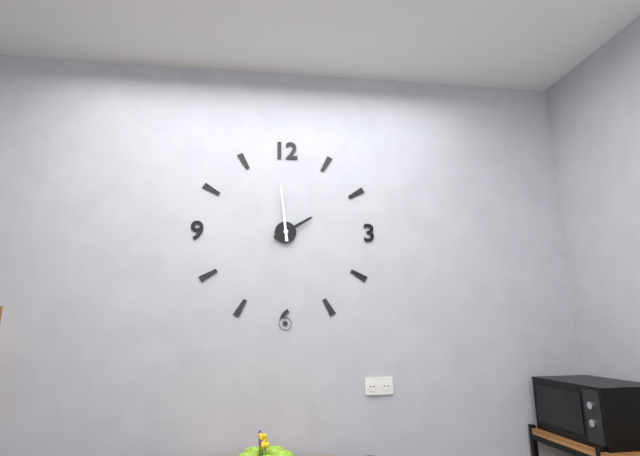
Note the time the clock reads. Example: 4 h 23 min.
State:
1 h 59 min
